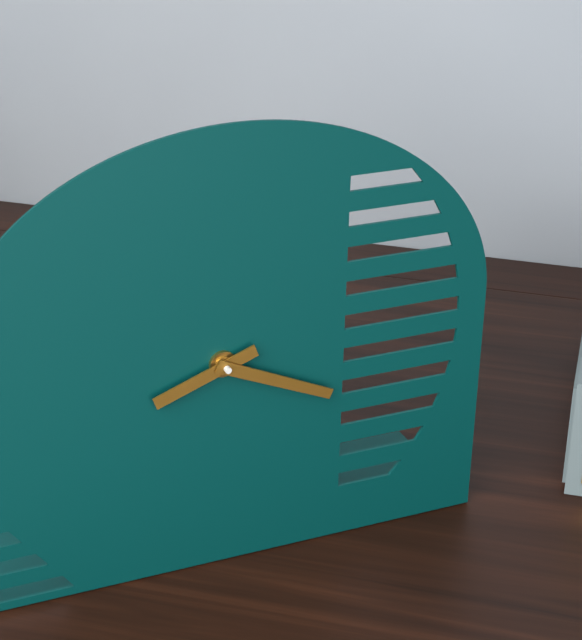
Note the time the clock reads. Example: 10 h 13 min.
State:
8 h 19 min
